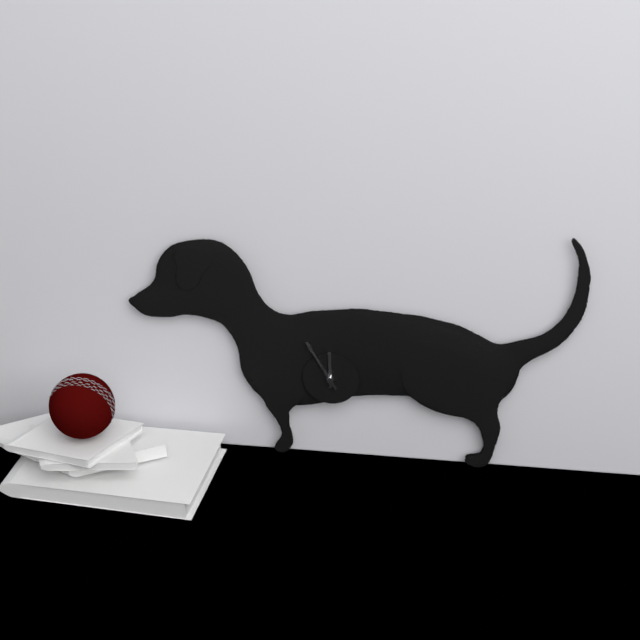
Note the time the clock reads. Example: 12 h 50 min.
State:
11 h 55 min
